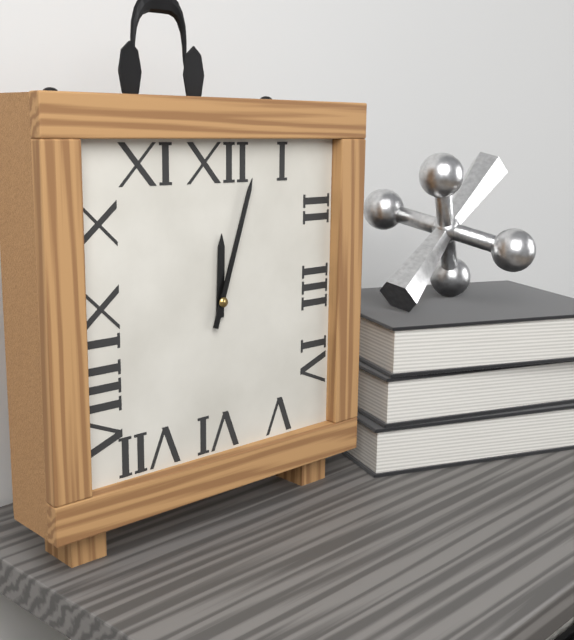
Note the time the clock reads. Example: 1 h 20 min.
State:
12 h 03 min
